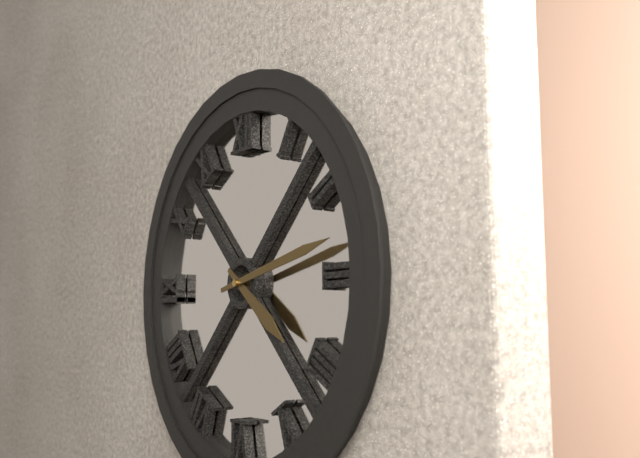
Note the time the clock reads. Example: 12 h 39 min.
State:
4 h 13 min
